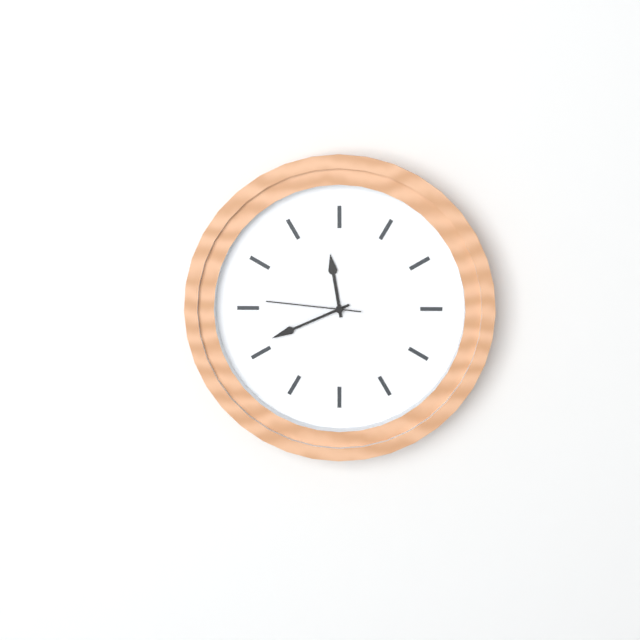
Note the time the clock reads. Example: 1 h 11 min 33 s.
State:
11 h 41 min 46 s
